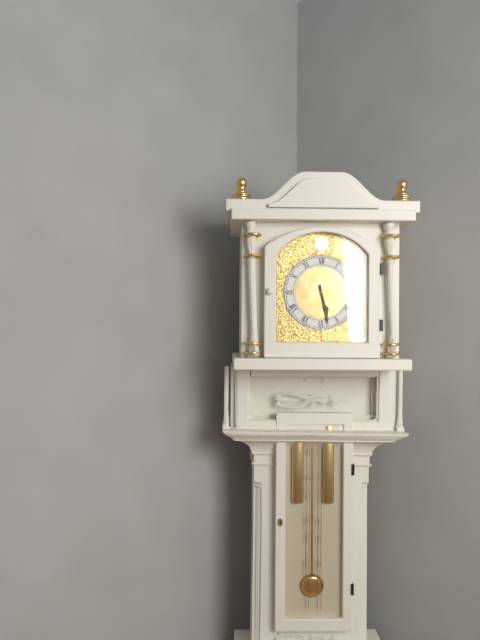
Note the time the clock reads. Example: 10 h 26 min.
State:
5 h 28 min
